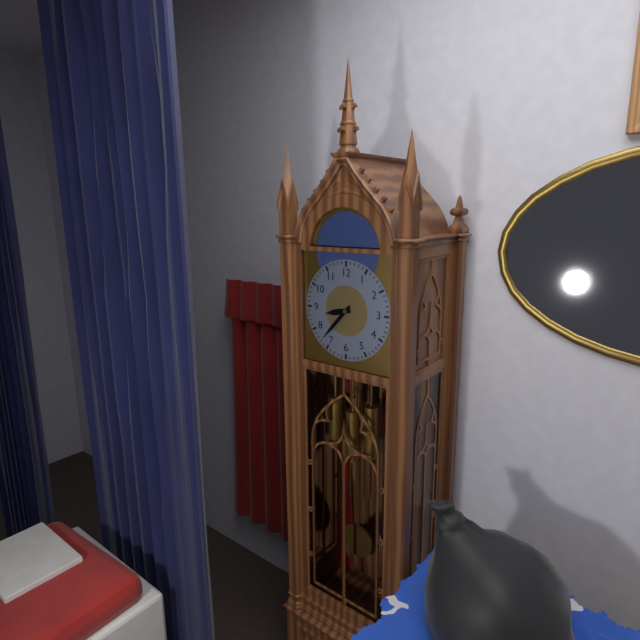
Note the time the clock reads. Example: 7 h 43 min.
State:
8 h 37 min
